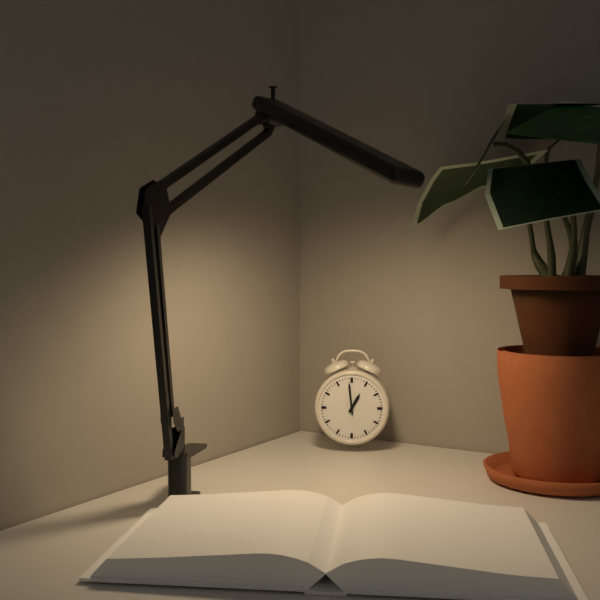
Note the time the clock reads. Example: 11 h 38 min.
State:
12 h 59 min
